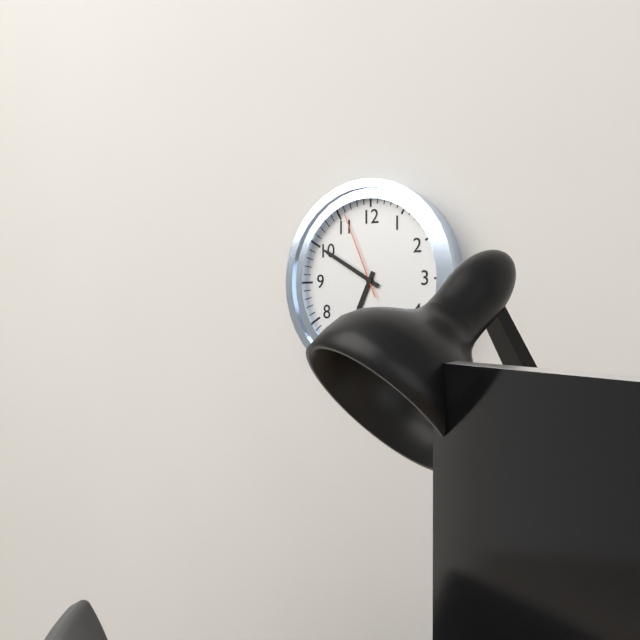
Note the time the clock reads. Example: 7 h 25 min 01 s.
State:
6 h 50 min 56 s
